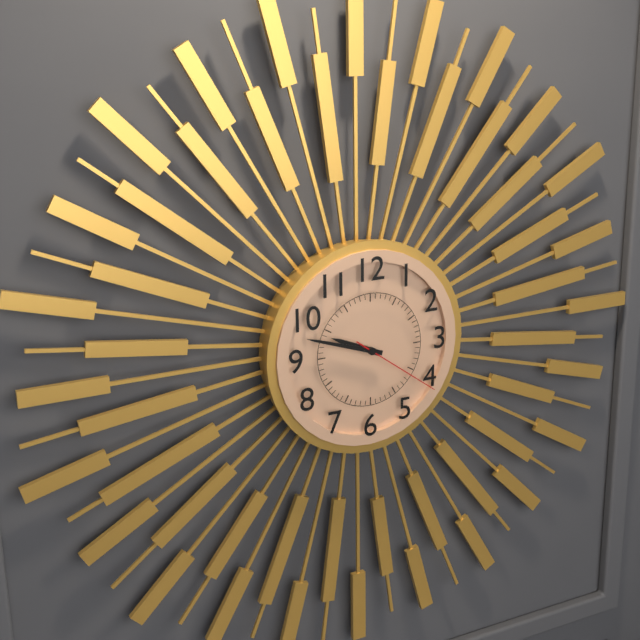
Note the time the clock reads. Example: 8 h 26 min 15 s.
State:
9 h 48 min 21 s
